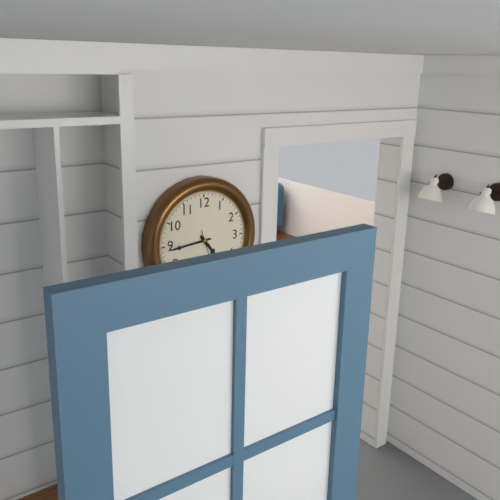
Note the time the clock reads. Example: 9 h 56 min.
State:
4 h 44 min
